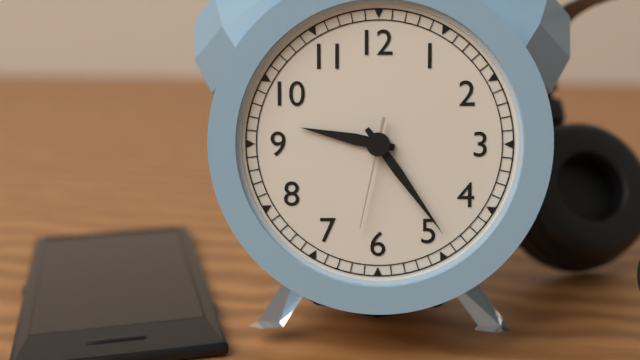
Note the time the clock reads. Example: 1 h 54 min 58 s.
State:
9 h 24 min 32 s
